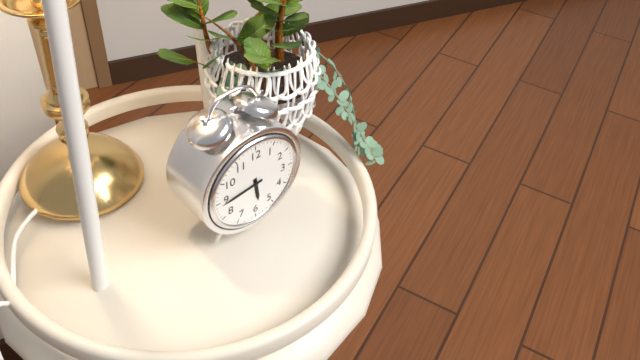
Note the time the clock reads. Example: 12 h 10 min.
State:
5 h 44 min
